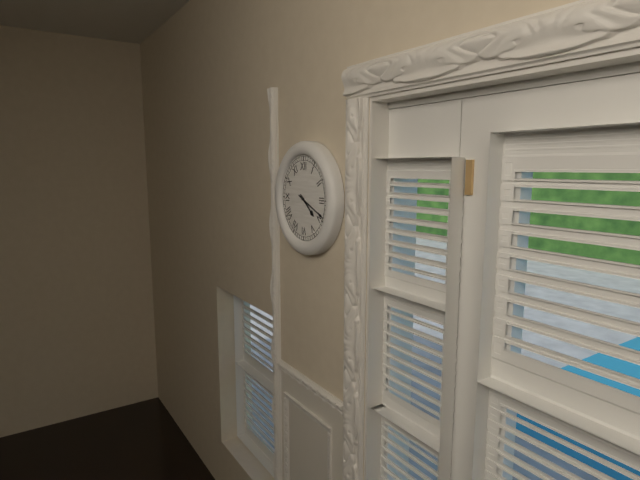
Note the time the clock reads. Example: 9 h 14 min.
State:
4 h 19 min
